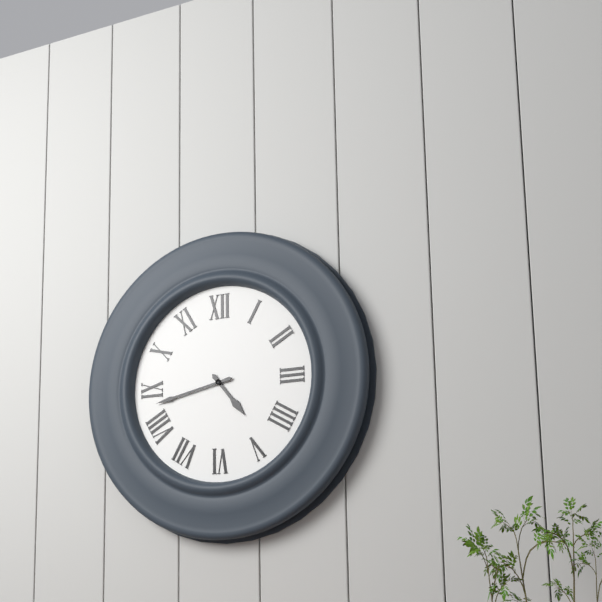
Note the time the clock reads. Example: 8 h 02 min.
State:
4 h 43 min
